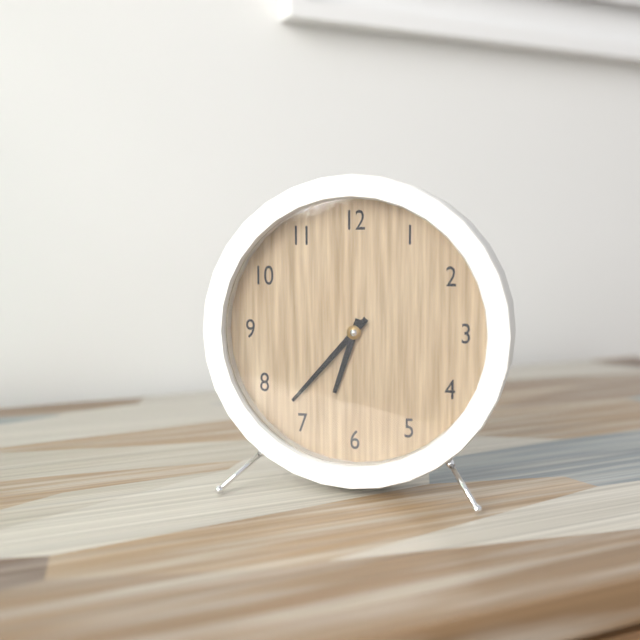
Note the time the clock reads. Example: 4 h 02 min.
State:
6 h 37 min
